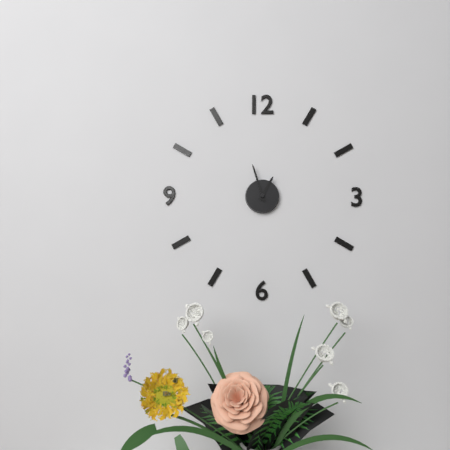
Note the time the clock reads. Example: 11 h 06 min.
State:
12 h 57 min
